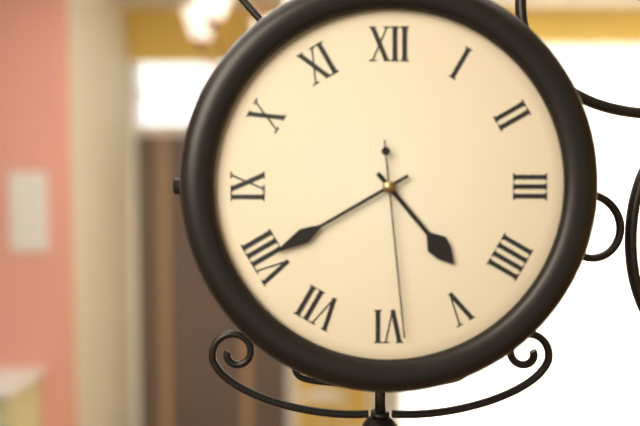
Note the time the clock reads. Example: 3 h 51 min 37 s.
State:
4 h 40 min 29 s
